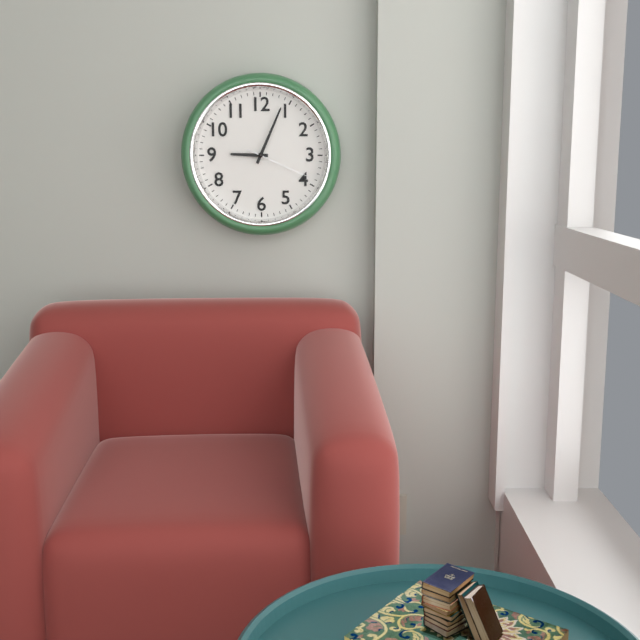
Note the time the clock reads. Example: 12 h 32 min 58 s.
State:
9 h 04 min 19 s
